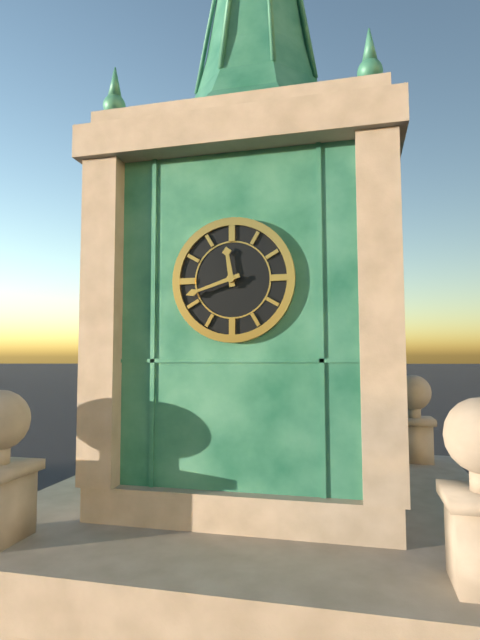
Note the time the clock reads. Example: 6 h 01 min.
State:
11 h 42 min
